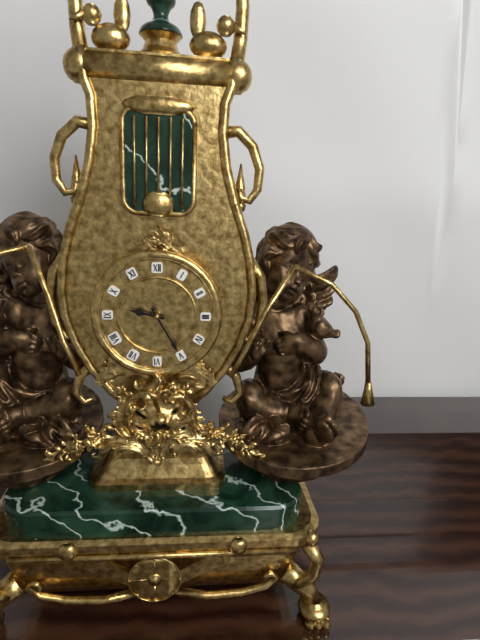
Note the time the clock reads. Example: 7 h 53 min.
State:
9 h 25 min
